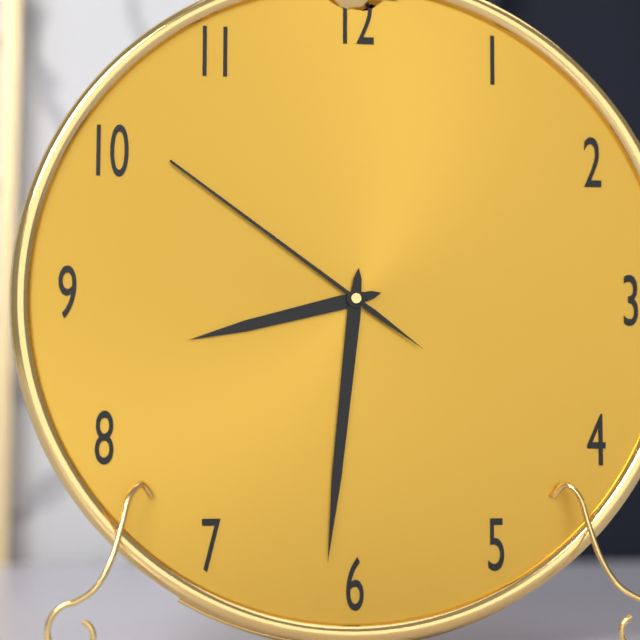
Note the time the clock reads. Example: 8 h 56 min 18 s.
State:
8 h 31 min 51 s
